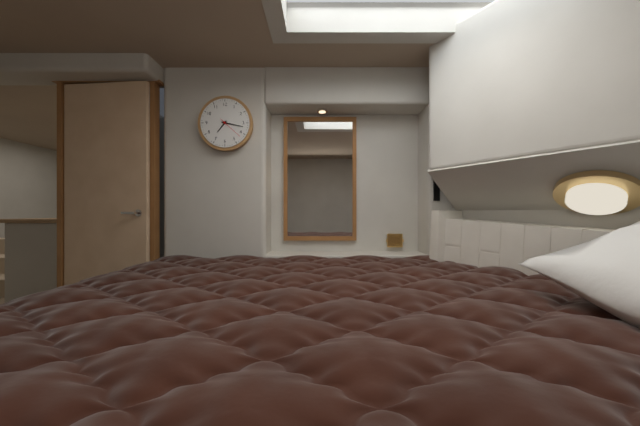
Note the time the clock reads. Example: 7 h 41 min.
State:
7 h 17 min
